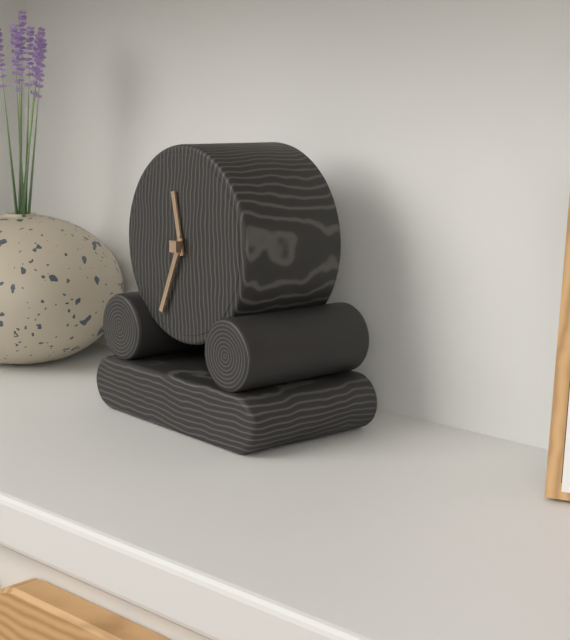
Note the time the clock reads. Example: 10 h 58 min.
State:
11 h 34 min
